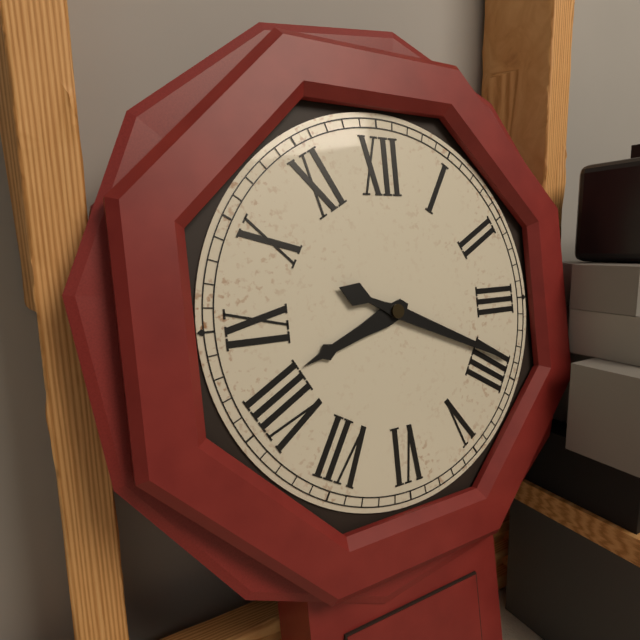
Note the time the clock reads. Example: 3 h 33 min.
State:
8 h 19 min
